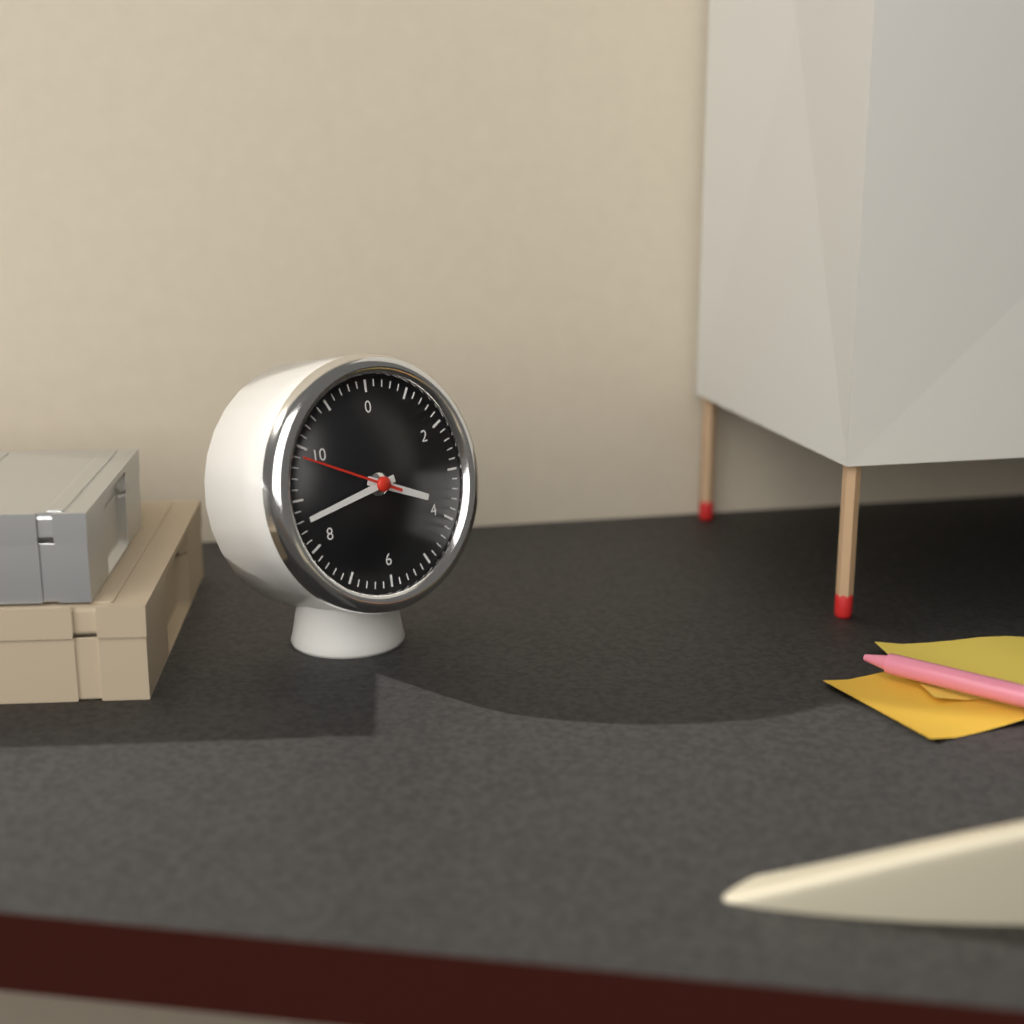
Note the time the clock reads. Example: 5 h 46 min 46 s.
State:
3 h 43 min 49 s
